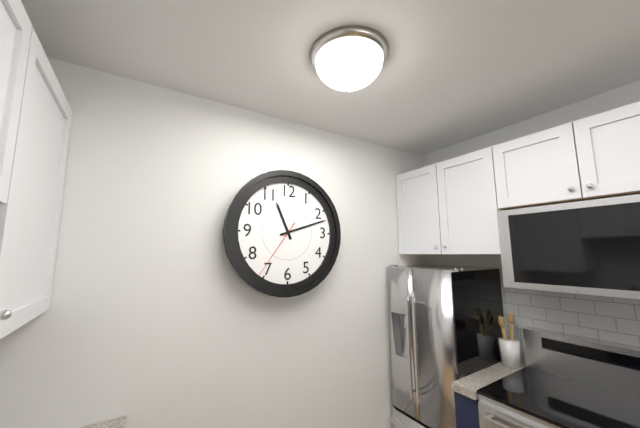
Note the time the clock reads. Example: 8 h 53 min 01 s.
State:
11 h 12 min 36 s
